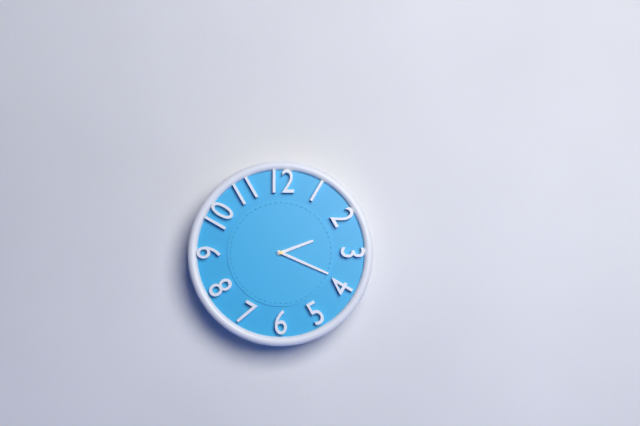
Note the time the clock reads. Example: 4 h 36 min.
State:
2 h 19 min
